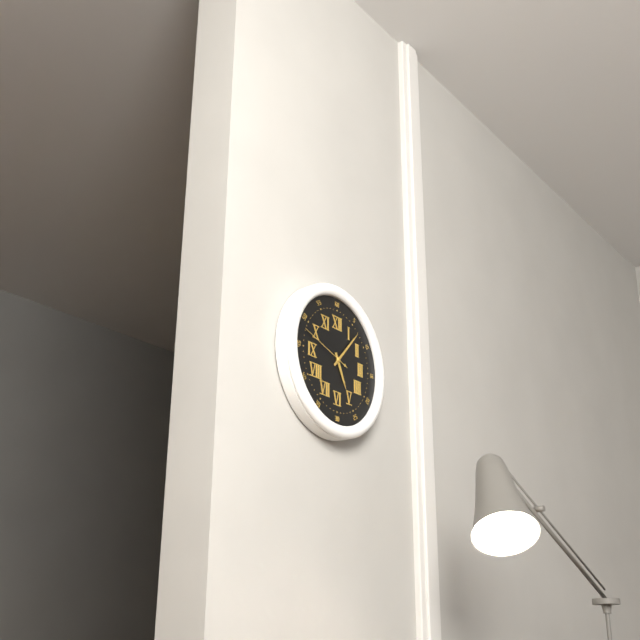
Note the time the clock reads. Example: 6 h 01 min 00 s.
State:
5 h 07 min 48 s
